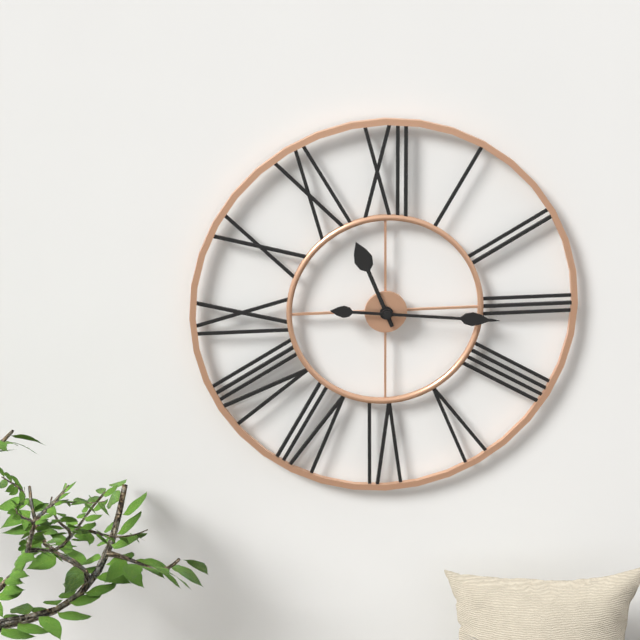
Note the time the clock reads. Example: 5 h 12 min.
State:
11 h 16 min
